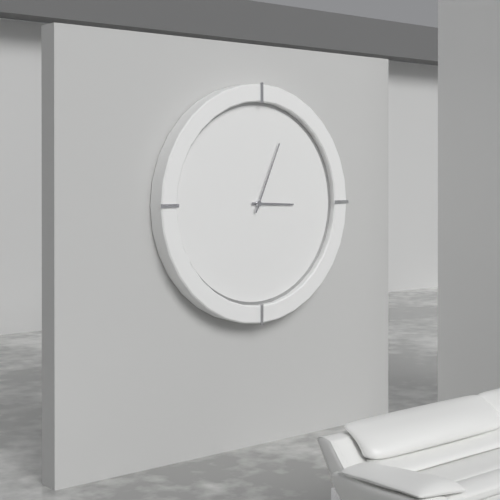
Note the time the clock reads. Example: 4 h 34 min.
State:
3 h 04 min
